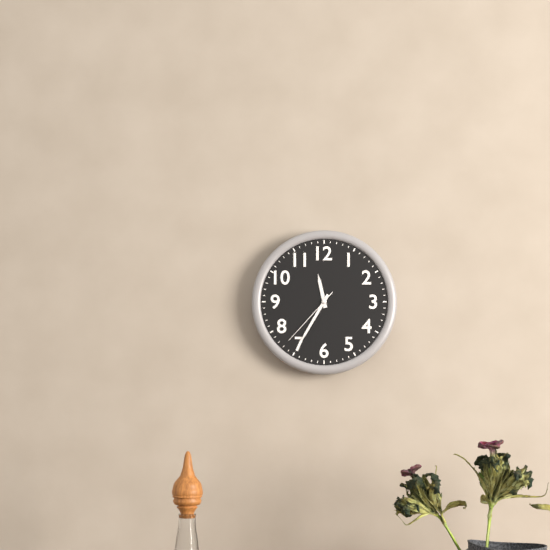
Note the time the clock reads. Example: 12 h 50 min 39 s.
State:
11 h 35 min 37 s
